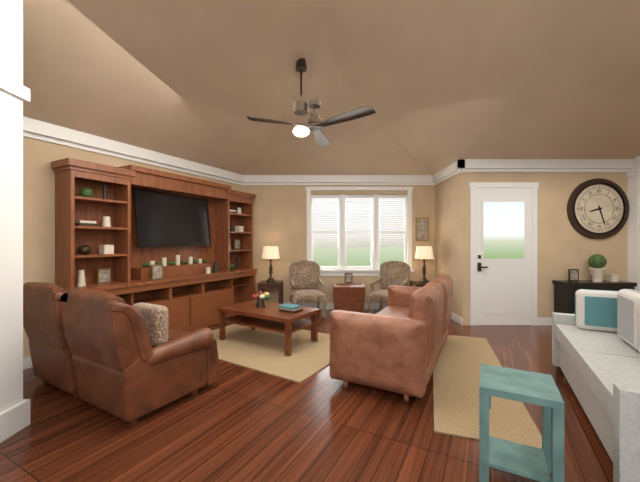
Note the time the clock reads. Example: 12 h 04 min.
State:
8 h 27 min
